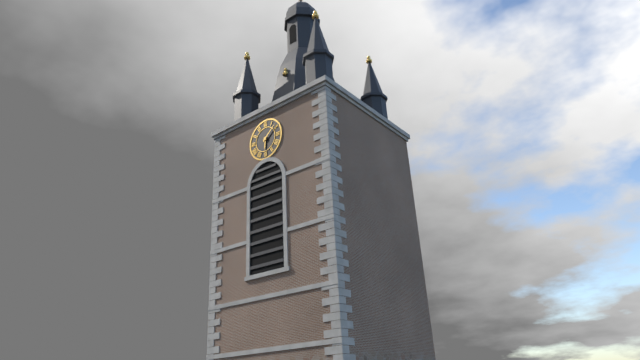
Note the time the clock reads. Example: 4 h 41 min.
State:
6 h 08 min
